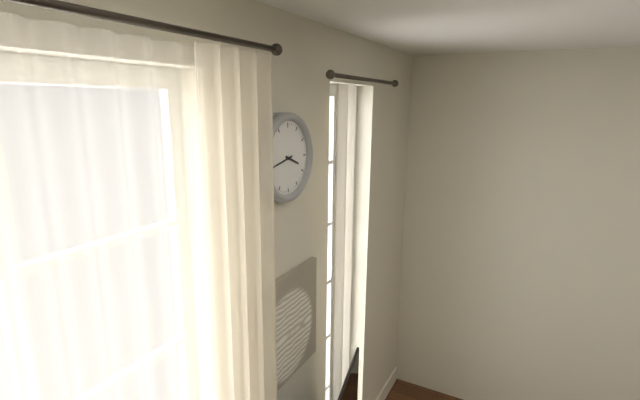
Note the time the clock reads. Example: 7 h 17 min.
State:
3 h 43 min
